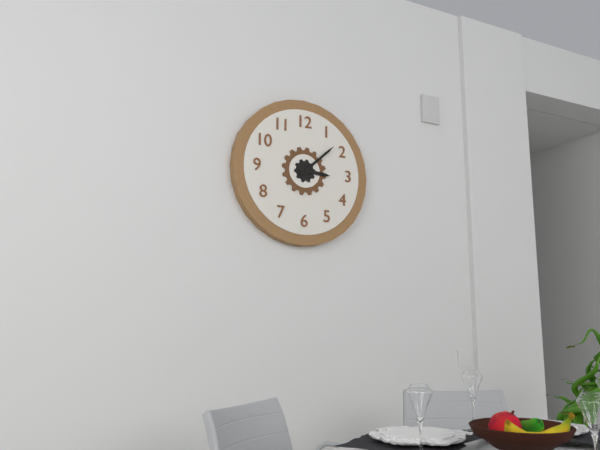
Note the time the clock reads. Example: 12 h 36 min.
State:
3 h 08 min
